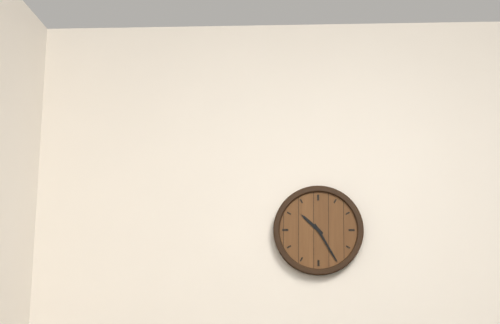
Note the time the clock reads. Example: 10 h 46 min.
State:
10 h 25 min
